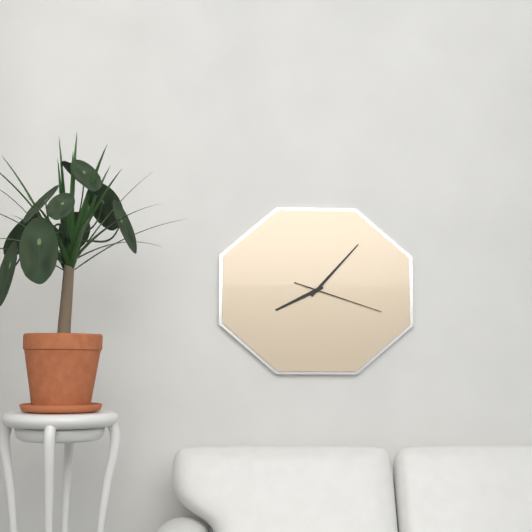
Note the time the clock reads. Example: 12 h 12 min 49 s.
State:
8 h 07 min 18 s
